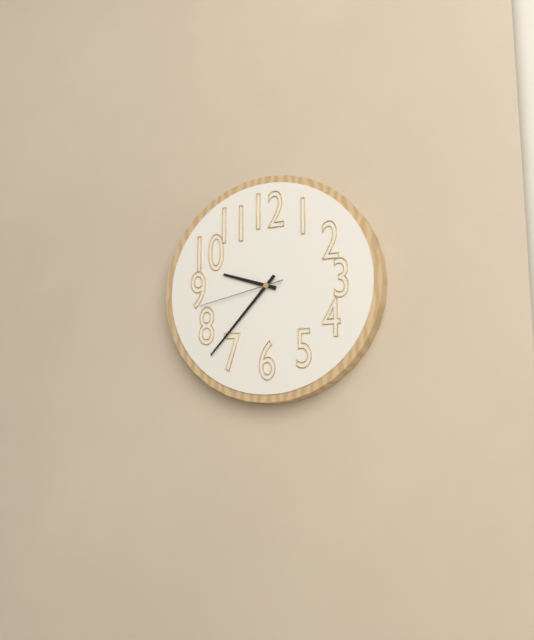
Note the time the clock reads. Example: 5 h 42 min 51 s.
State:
9 h 37 min 43 s
